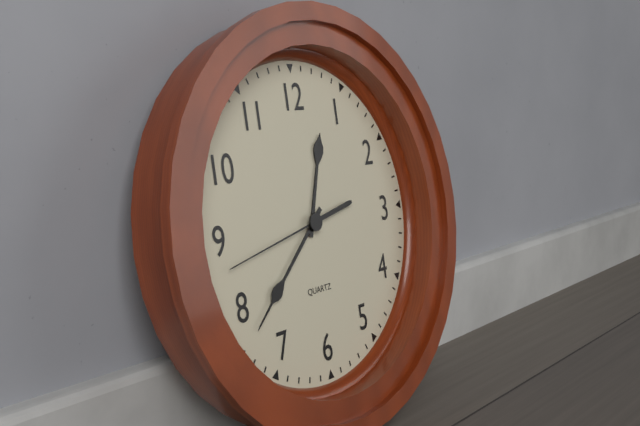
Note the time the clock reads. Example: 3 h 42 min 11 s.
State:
12 h 38 min 43 s
